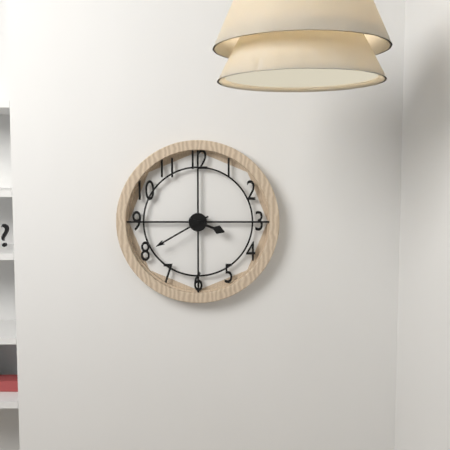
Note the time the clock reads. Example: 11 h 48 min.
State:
3 h 40 min
